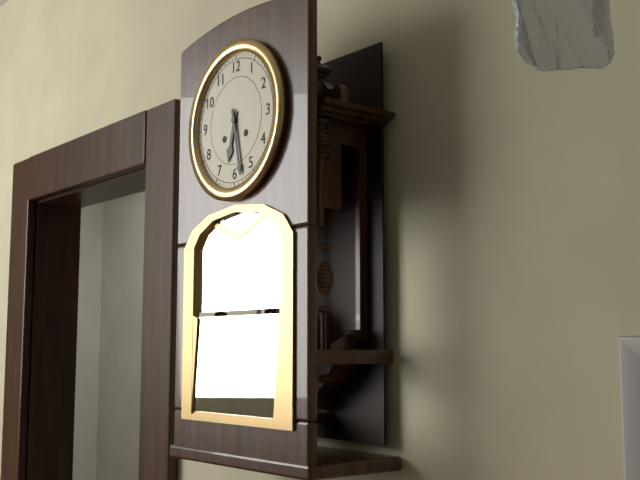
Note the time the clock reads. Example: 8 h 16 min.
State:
6 h 28 min
